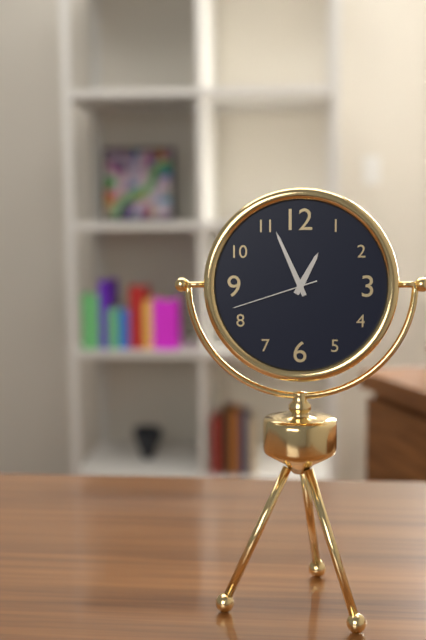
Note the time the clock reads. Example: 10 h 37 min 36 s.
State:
12 h 56 min 42 s
